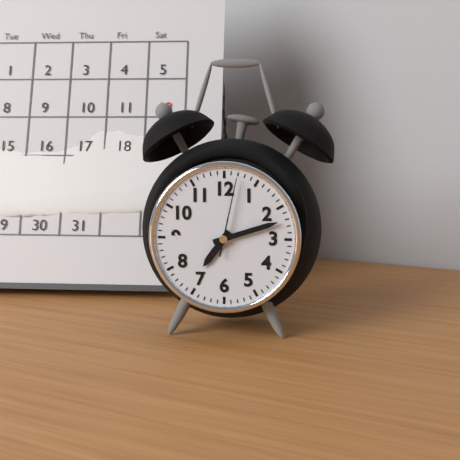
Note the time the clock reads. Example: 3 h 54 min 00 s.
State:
7 h 12 min 02 s
